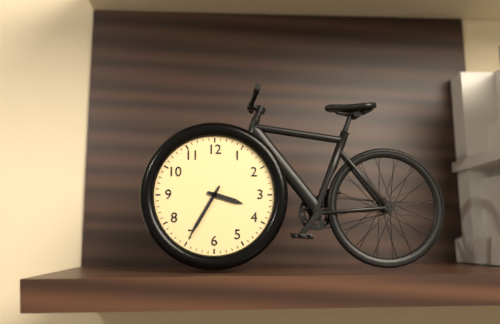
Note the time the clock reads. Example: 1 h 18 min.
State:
3 h 35 min
